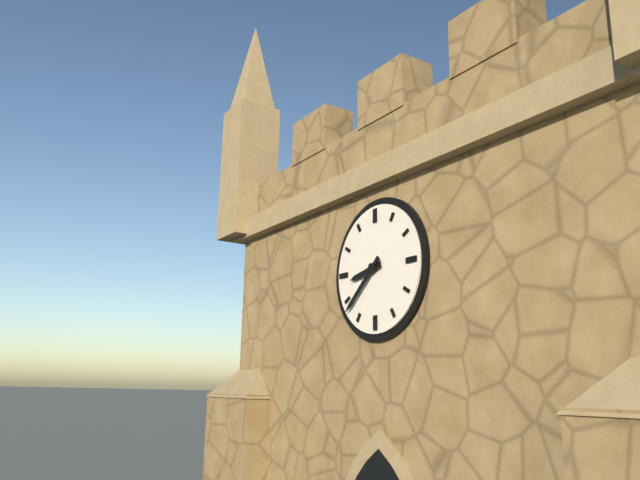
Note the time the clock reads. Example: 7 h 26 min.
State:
8 h 38 min
